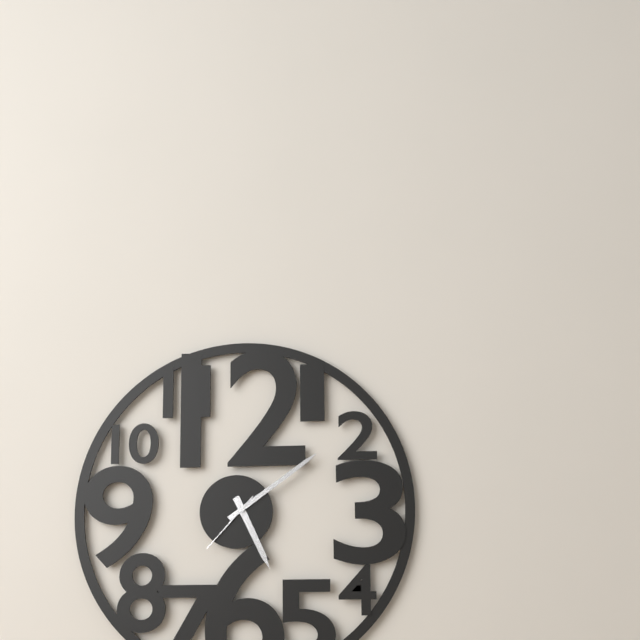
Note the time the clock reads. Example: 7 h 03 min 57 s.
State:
5 h 09 min 37 s
